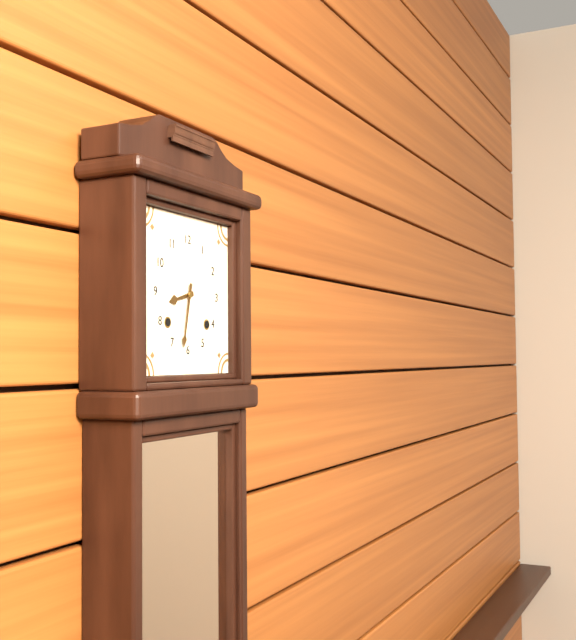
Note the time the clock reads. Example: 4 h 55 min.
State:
8 h 32 min
